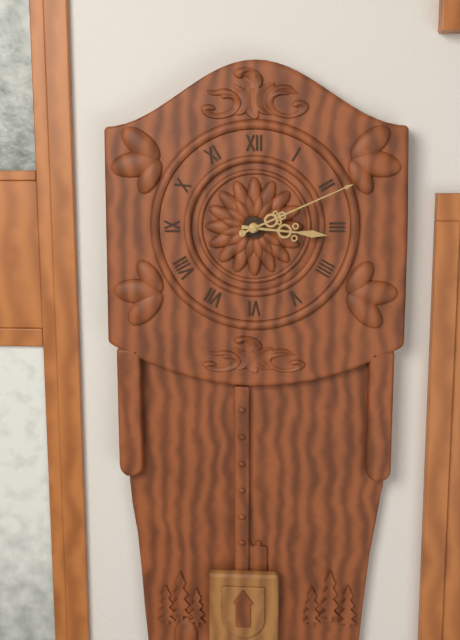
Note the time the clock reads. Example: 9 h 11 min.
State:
3 h 11 min
